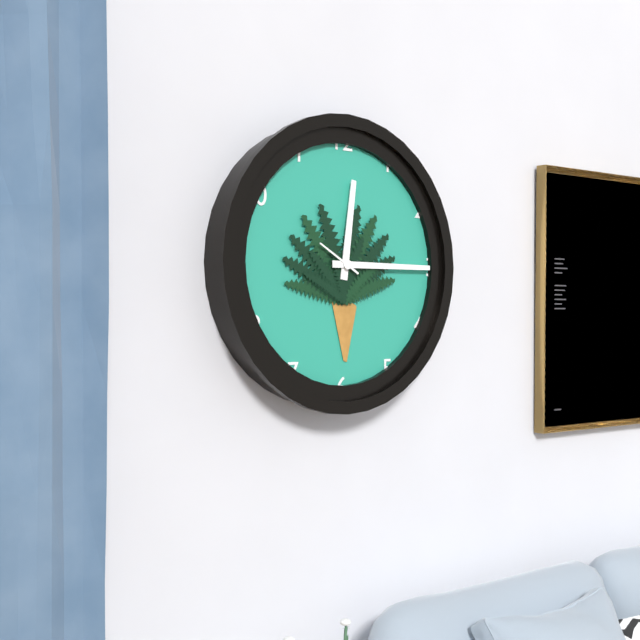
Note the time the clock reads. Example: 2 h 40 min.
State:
12 h 15 min
